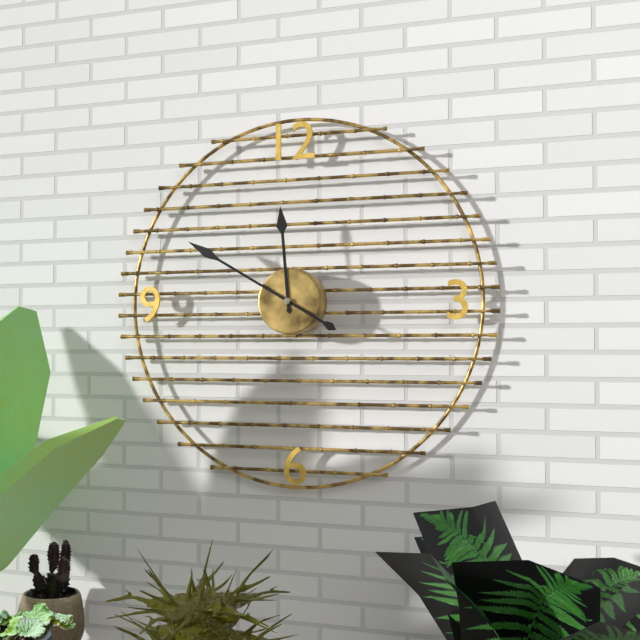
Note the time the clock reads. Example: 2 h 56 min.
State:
11 h 50 min
